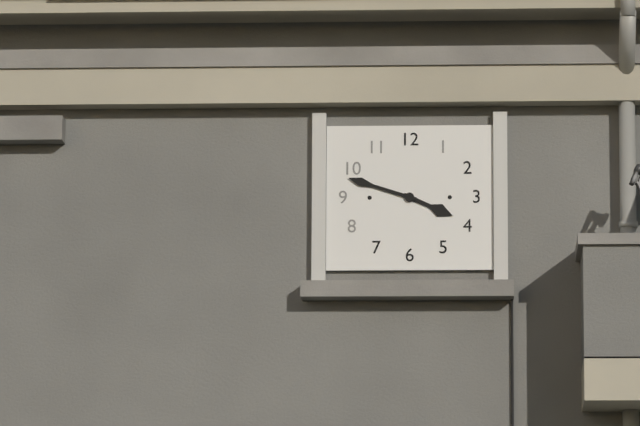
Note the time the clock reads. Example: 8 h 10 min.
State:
3 h 48 min
